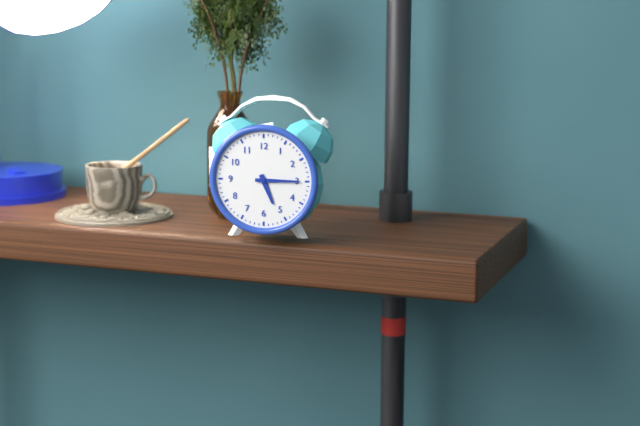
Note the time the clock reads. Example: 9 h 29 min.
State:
5 h 15 min
